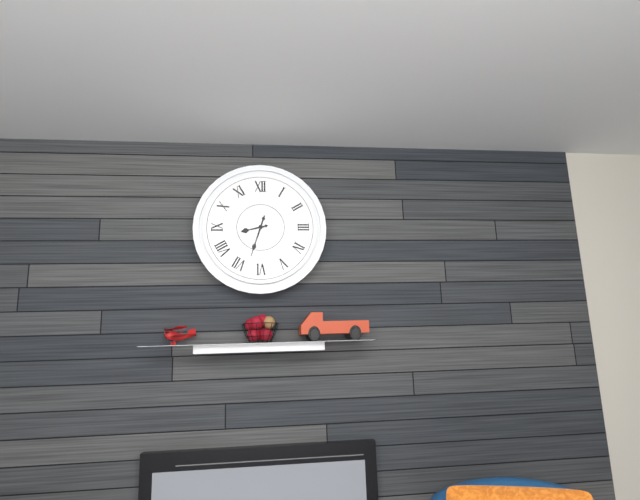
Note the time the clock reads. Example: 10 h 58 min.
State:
8 h 33 min
